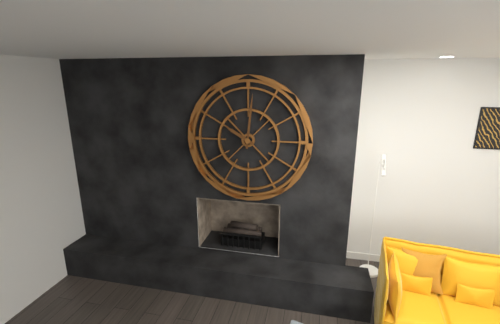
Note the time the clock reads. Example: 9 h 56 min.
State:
10 h 01 min
